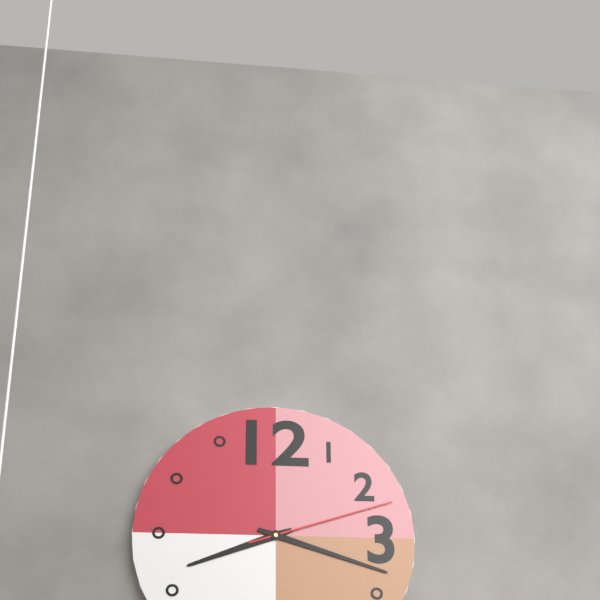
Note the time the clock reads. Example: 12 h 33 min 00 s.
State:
8 h 18 min 12 s
